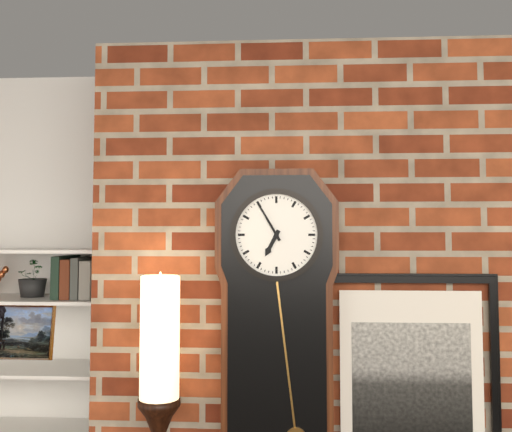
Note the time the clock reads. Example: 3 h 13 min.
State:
6 h 55 min
